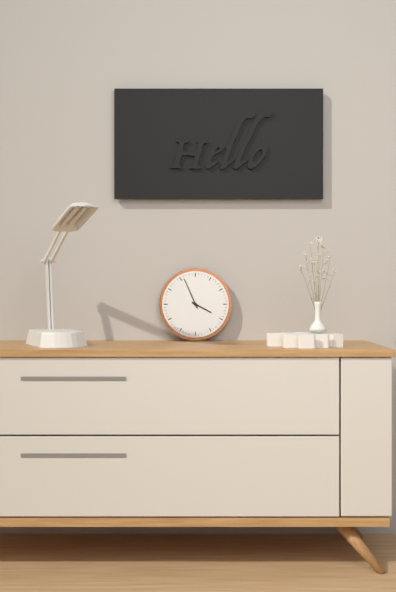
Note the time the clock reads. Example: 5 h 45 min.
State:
3 h 56 min
